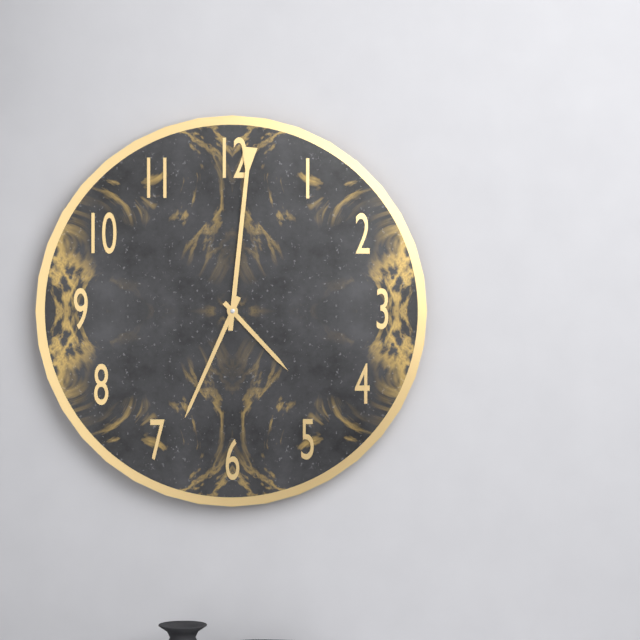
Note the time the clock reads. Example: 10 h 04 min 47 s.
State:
4 h 34 min 01 s
